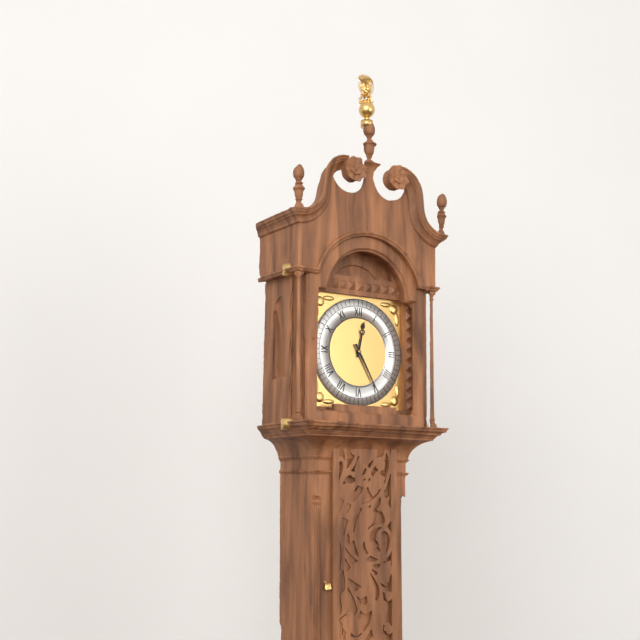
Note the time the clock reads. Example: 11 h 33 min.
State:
12 h 25 min
